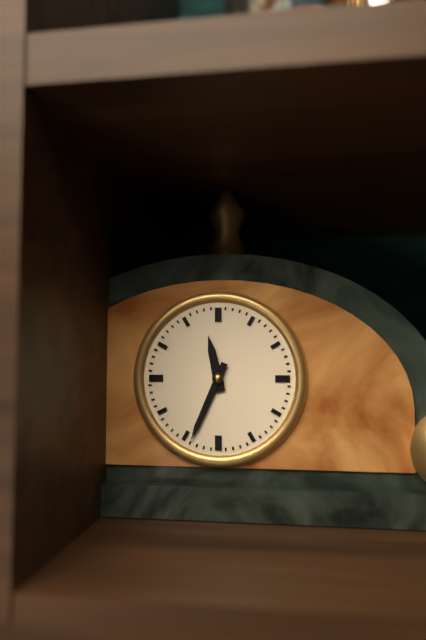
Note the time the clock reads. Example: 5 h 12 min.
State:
11 h 34 min
